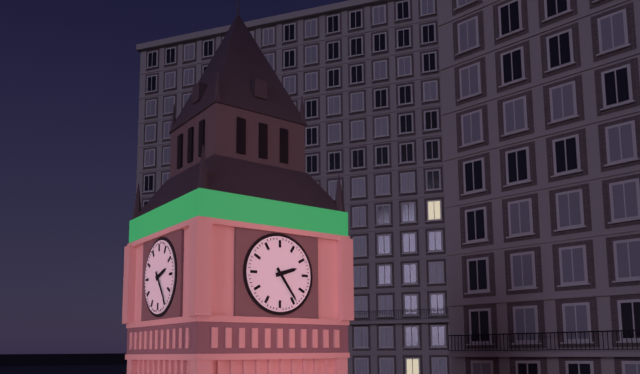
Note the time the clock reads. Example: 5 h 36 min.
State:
2 h 24 min
